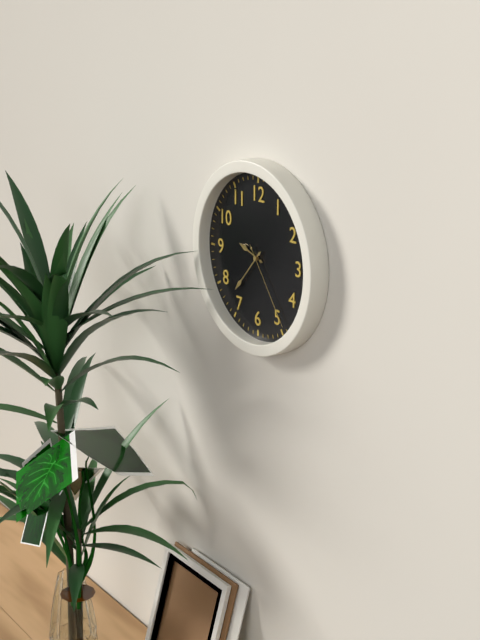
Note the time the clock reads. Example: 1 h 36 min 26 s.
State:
9 h 37 min 24 s
